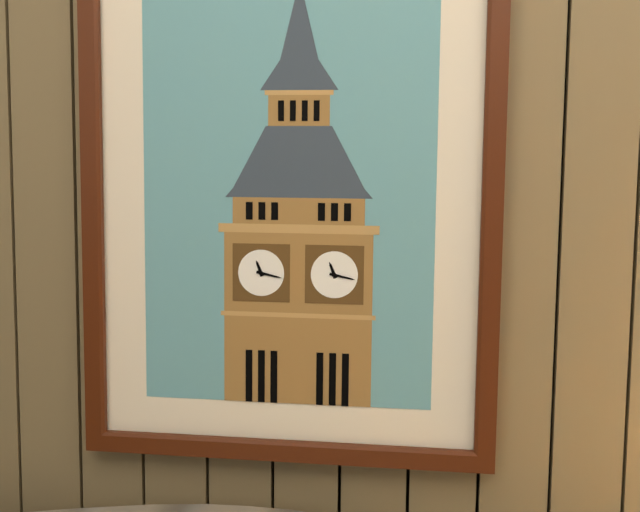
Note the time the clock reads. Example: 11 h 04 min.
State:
11 h 17 min
